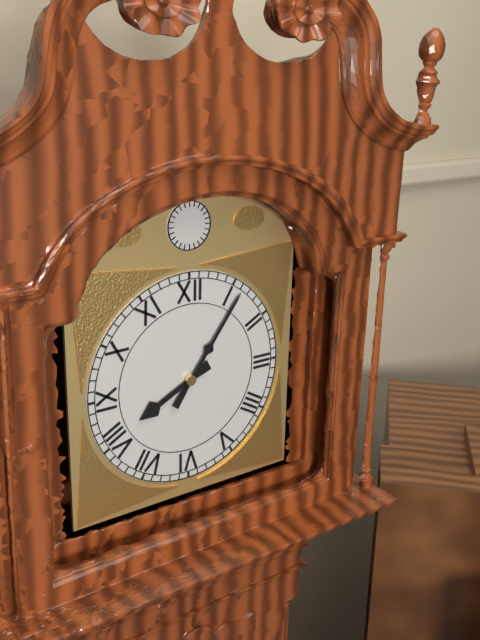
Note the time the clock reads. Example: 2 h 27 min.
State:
8 h 06 min
